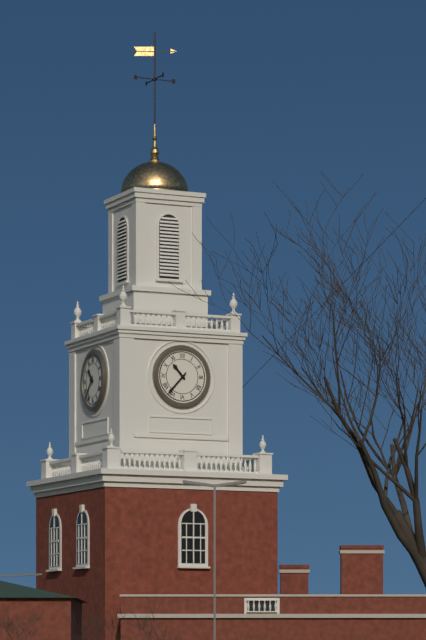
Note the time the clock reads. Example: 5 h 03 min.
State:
10 h 37 min
